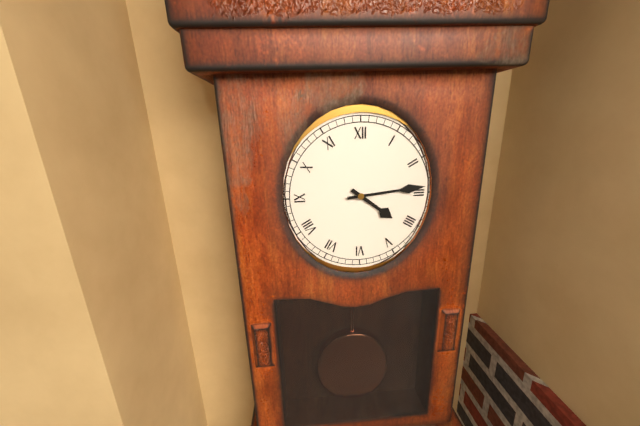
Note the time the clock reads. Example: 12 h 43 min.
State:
4 h 14 min
